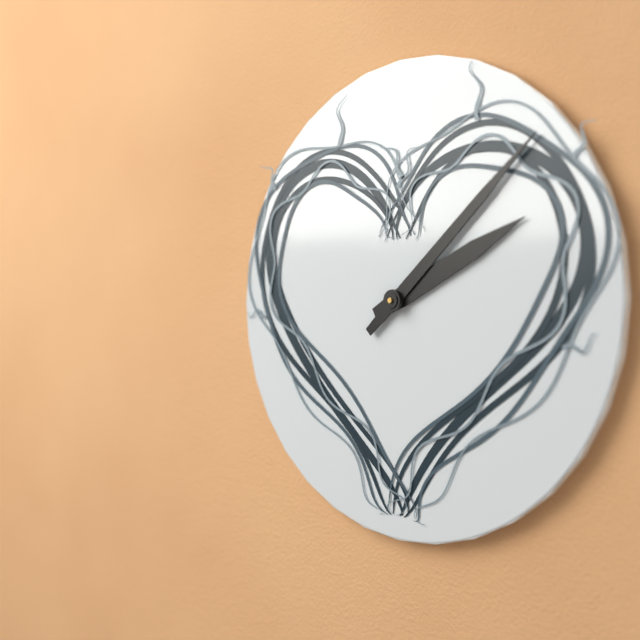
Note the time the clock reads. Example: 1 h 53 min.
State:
2 h 08 min
